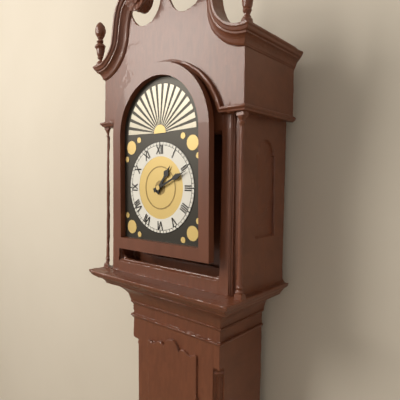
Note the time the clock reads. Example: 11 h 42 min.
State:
1 h 11 min
